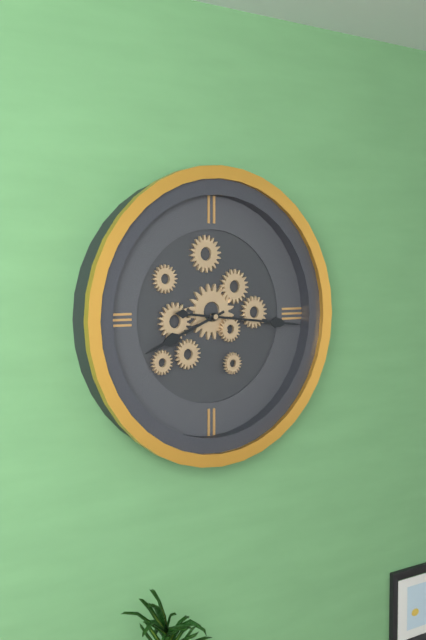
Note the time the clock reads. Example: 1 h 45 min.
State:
8 h 16 min
